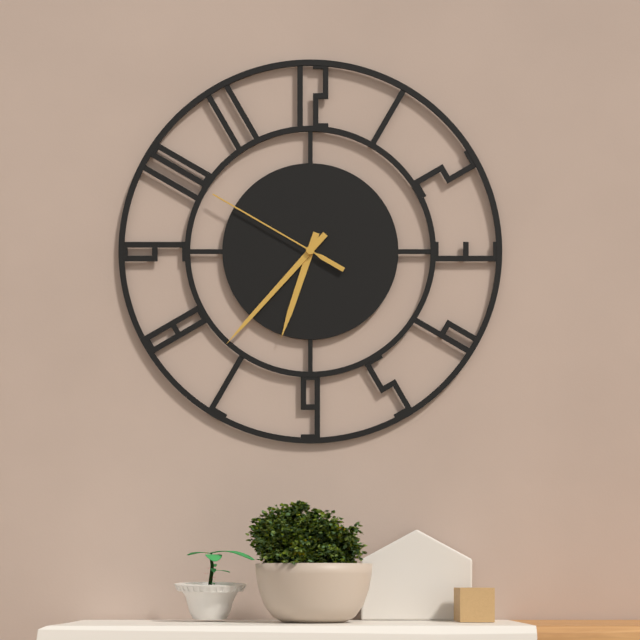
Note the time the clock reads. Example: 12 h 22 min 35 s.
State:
6 h 37 min 50 s
